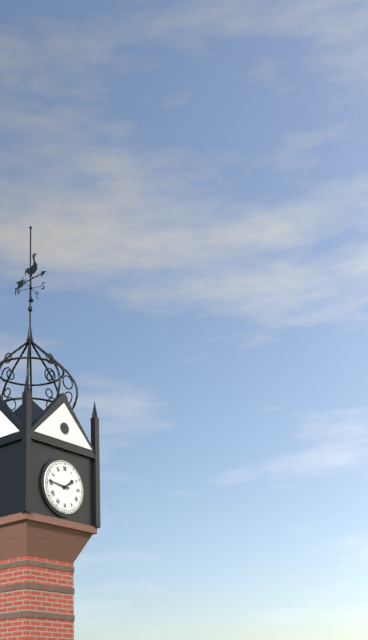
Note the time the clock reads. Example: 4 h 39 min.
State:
1 h 46 min
